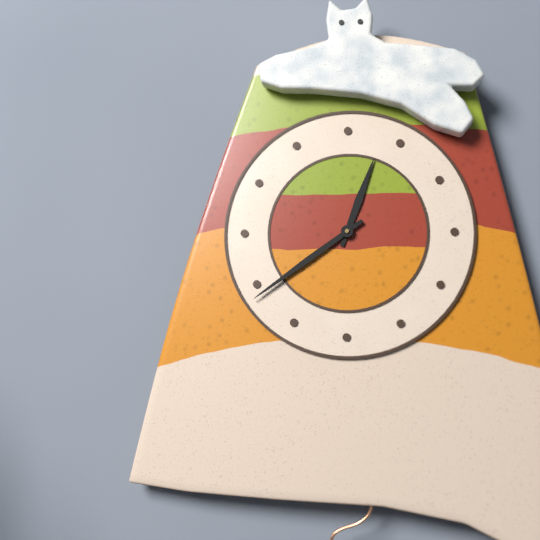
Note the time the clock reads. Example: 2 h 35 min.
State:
12 h 39 min
